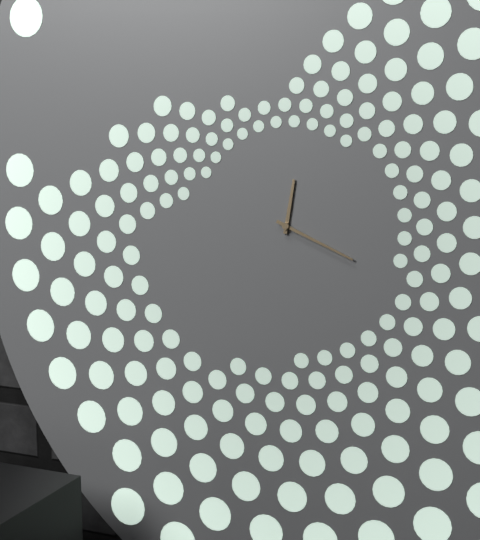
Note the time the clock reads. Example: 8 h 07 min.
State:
12 h 19 min
